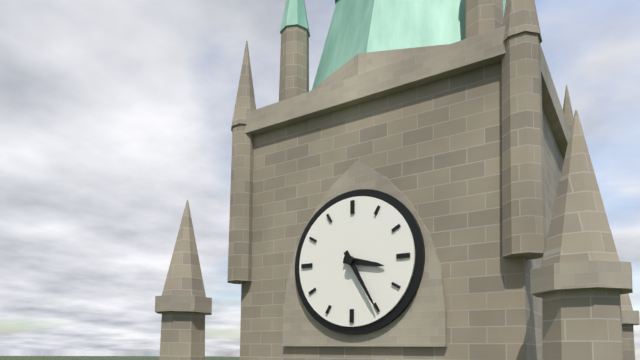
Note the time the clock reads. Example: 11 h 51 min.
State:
3 h 25 min
